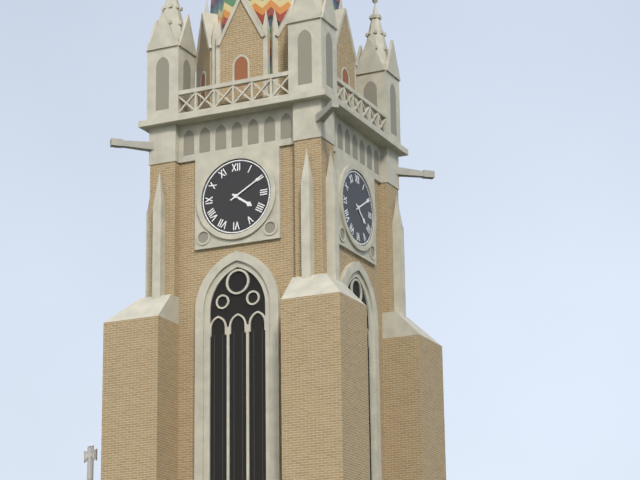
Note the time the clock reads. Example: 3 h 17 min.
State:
4 h 10 min
